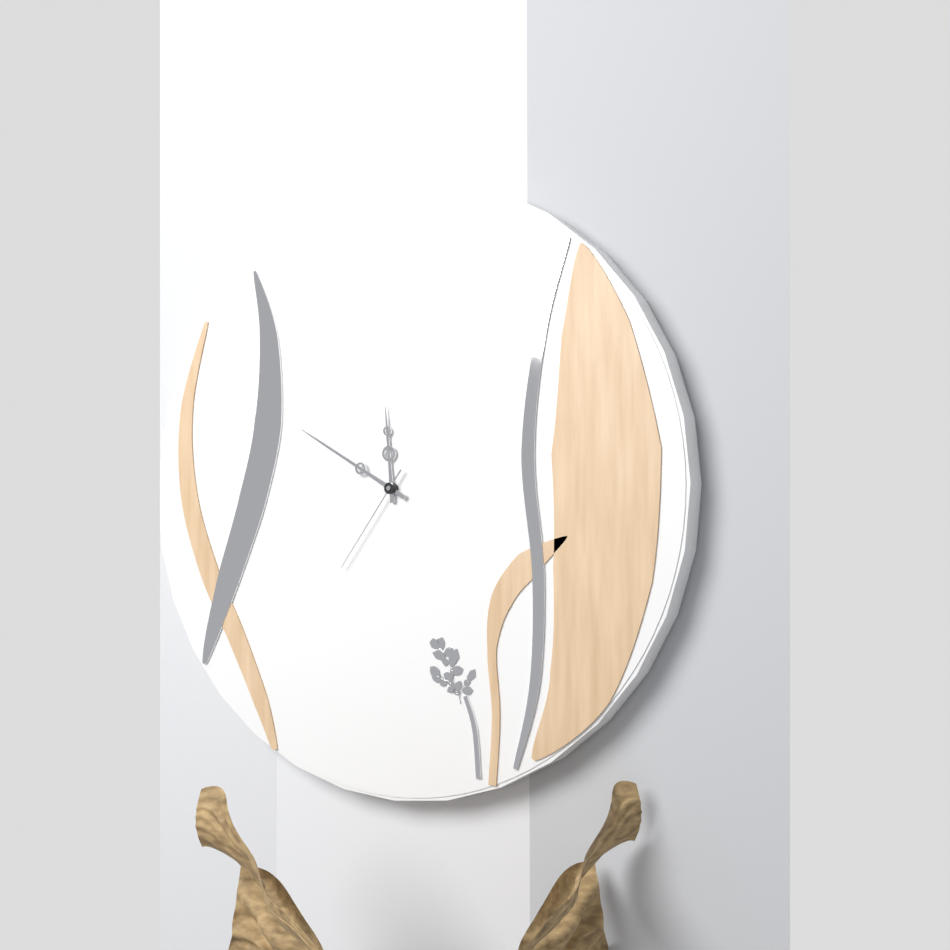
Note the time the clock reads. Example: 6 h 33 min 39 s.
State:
11 h 50 min 36 s
